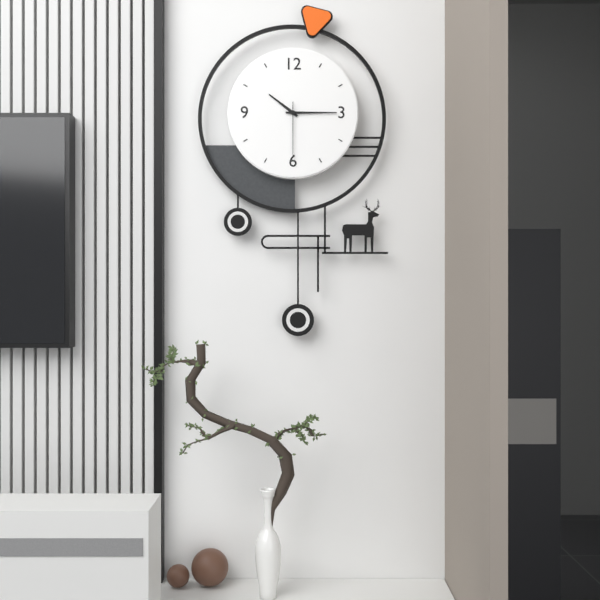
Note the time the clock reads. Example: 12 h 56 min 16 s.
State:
10 h 15 min 30 s
